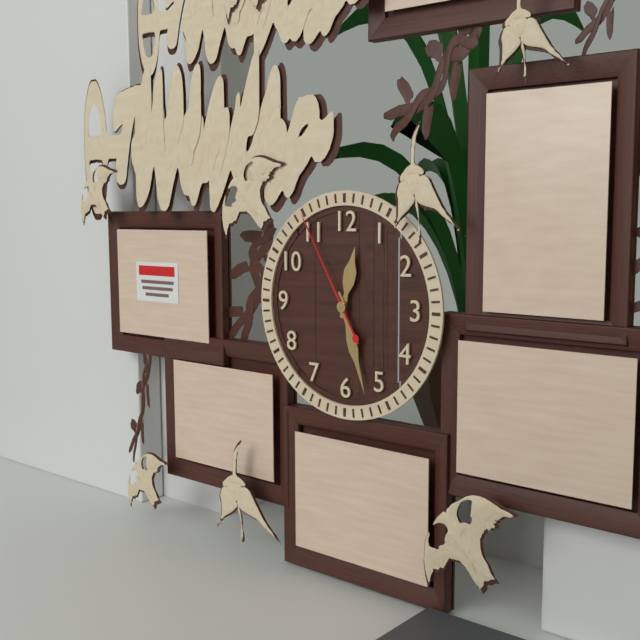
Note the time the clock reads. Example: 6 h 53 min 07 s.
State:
12 h 27 min 55 s
